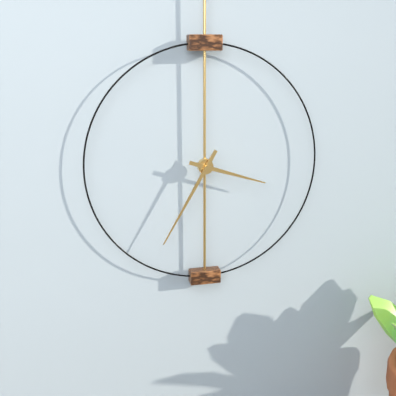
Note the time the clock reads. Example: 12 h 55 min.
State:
3 h 35 min
